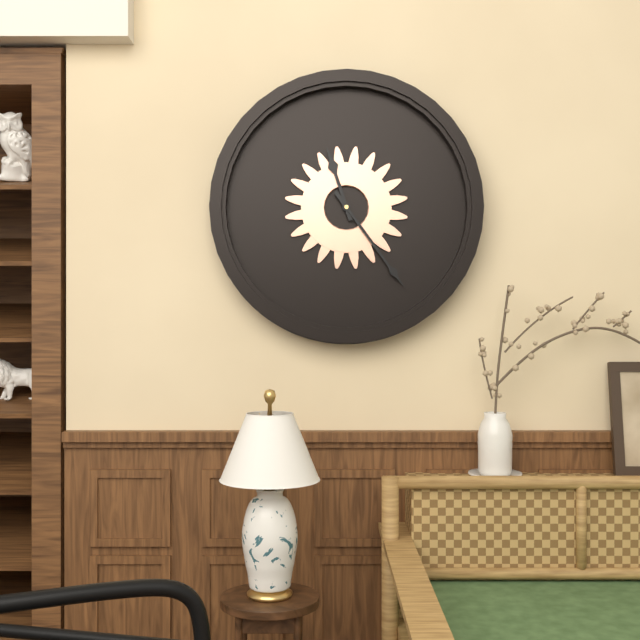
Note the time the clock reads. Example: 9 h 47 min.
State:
11 h 24 min
